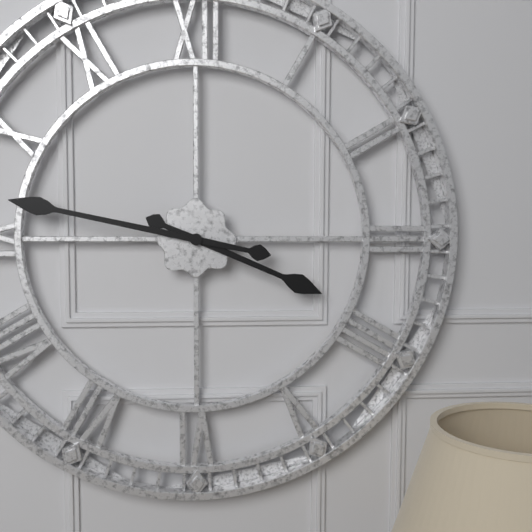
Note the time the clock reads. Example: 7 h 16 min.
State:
3 h 47 min
